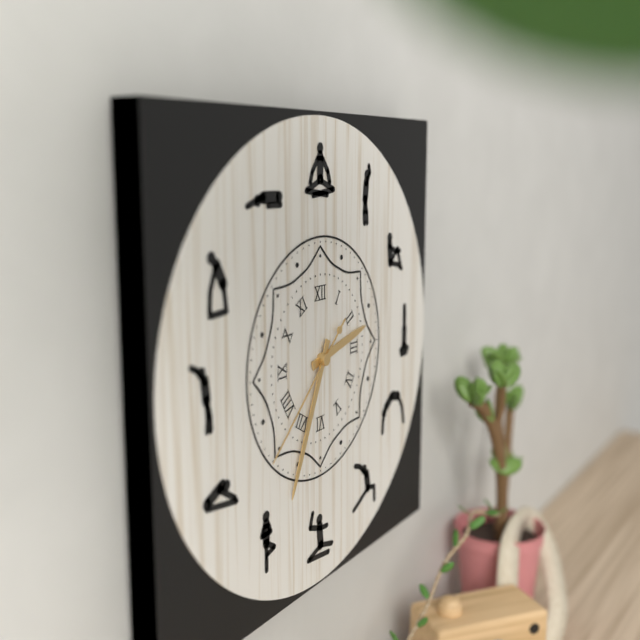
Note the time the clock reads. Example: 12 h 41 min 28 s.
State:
2 h 34 min 38 s
